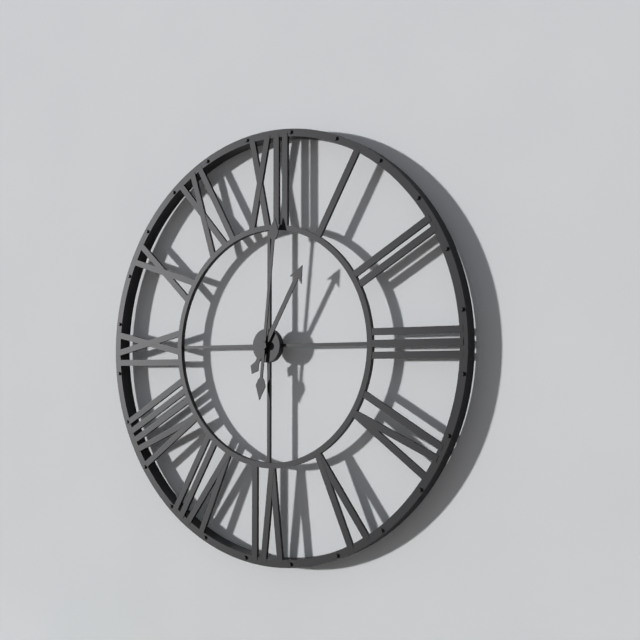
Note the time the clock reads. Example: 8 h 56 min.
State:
1 h 01 min
